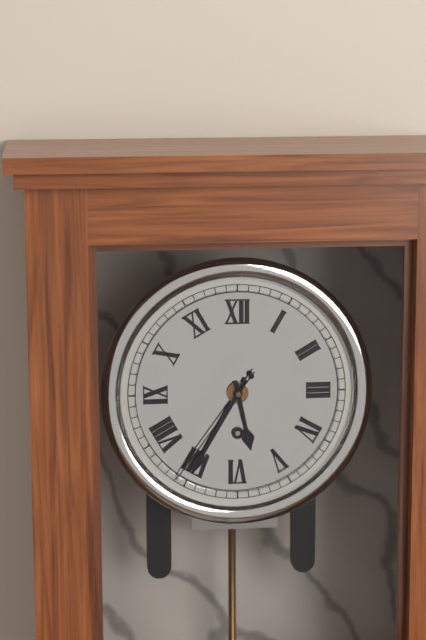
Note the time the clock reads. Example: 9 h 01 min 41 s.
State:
5 h 35 min 36 s
